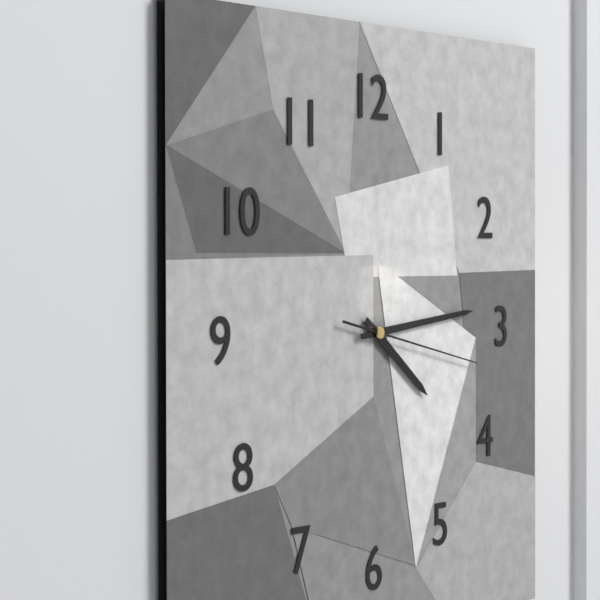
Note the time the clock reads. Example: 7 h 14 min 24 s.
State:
4 h 14 min 17 s
